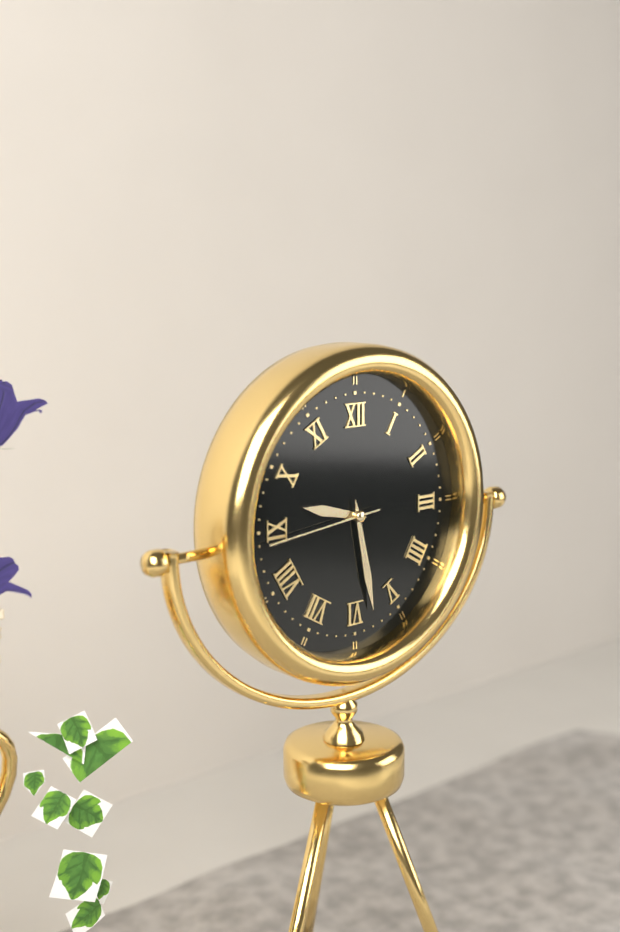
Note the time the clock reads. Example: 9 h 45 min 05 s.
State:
9 h 28 min 44 s
